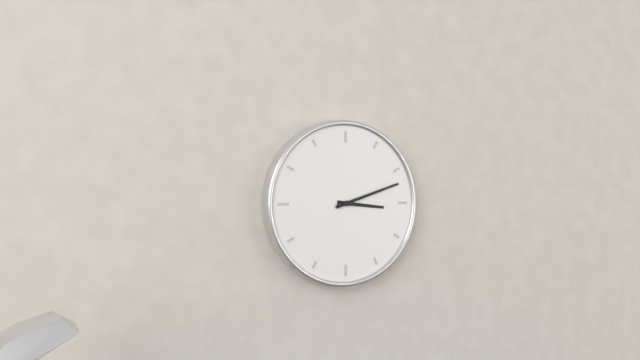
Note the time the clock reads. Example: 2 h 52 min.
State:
3 h 12 min
